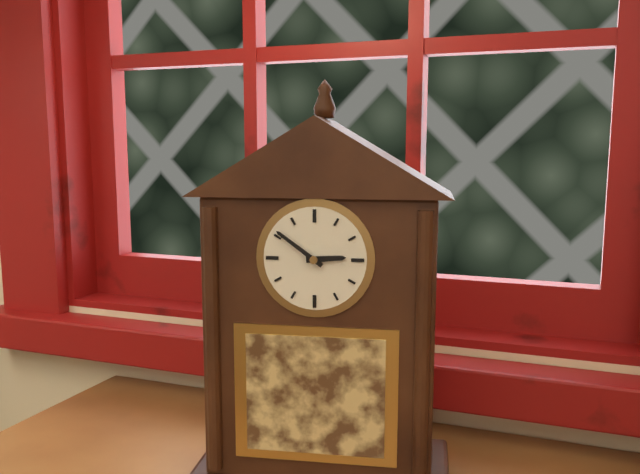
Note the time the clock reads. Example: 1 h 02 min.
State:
2 h 51 min
